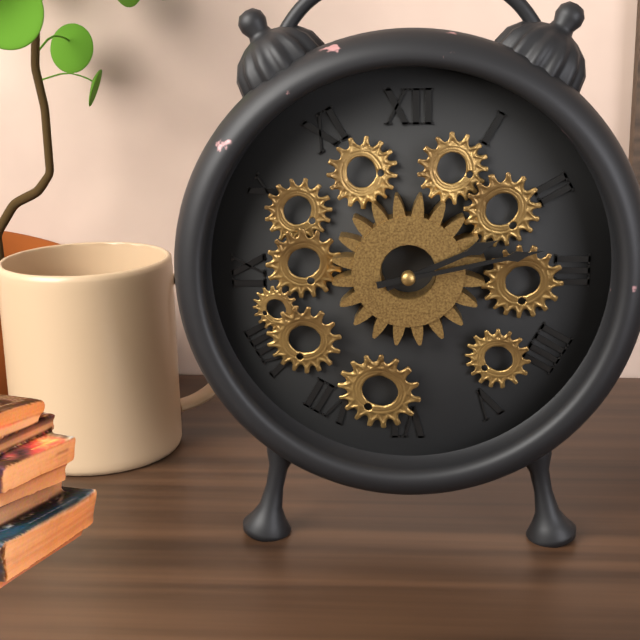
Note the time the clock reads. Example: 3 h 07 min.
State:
2 h 13 min
